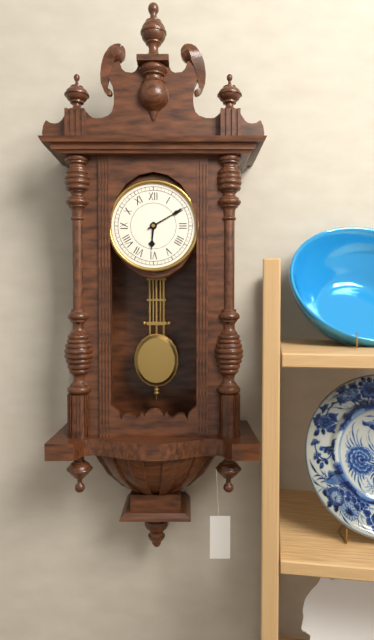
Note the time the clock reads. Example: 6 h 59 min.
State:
6 h 10 min
